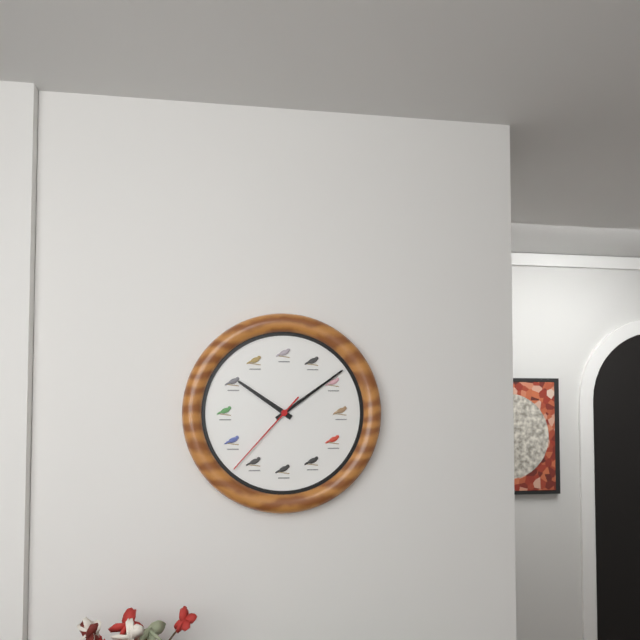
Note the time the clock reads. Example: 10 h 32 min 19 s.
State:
10 h 09 min 37 s
